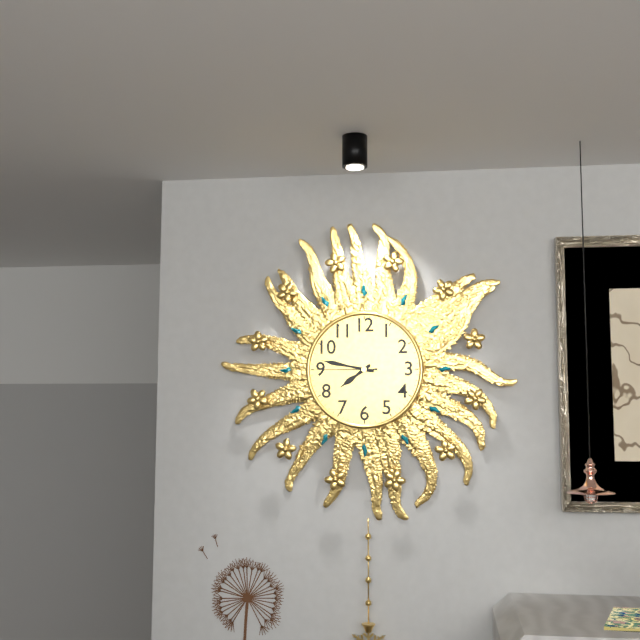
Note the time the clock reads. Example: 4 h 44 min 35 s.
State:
7 h 47 min 45 s
